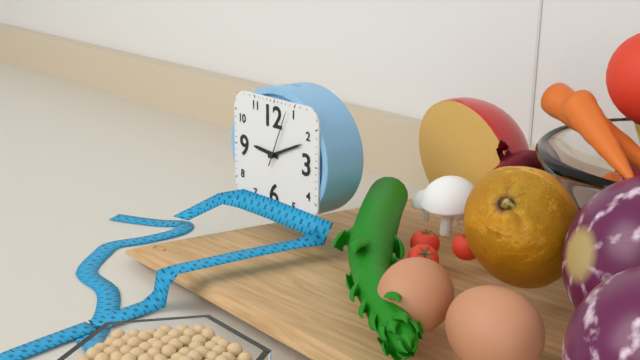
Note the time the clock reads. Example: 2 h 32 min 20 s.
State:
9 h 11 min 04 s
